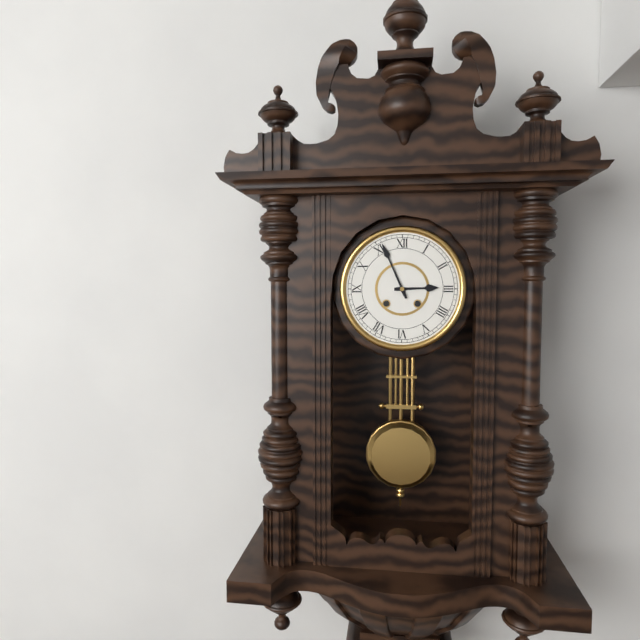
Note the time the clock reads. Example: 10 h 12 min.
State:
2 h 56 min
